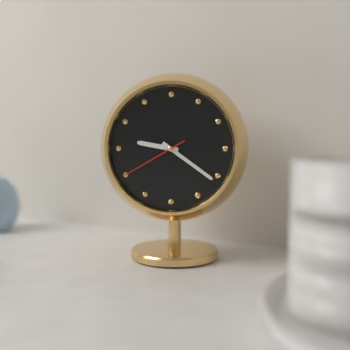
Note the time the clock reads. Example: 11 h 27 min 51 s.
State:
9 h 21 min 40 s
